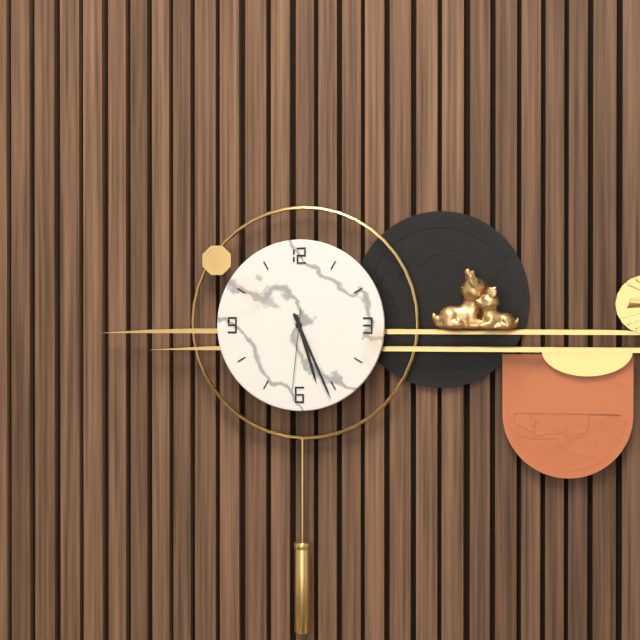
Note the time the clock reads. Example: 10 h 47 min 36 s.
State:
5 h 26 min 31 s
